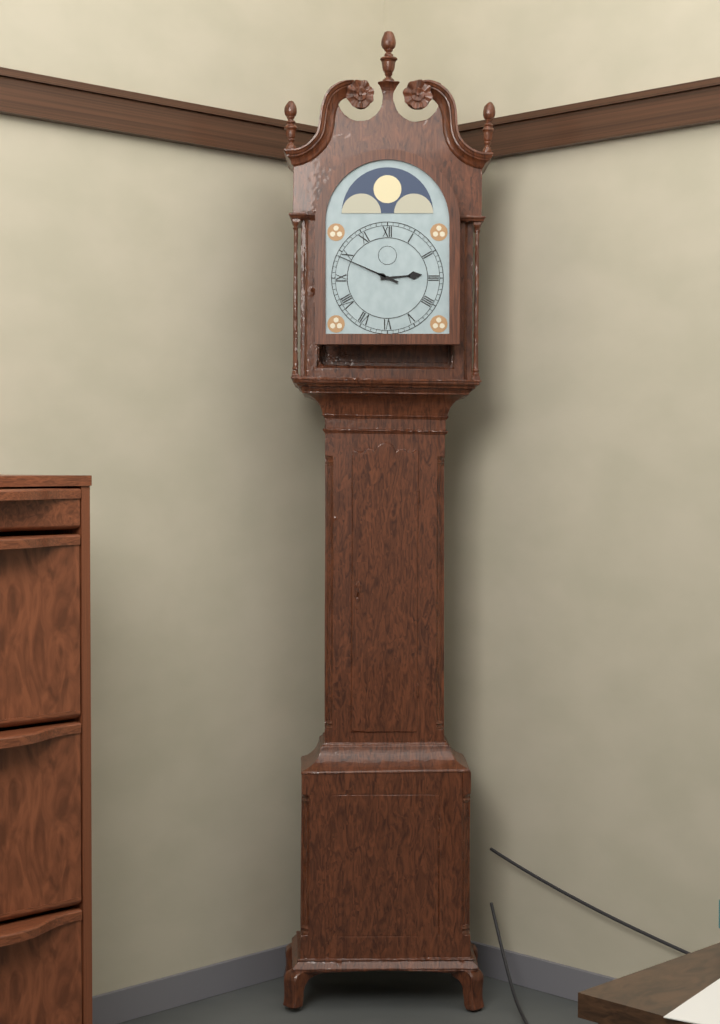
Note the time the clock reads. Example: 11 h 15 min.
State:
2 h 49 min
